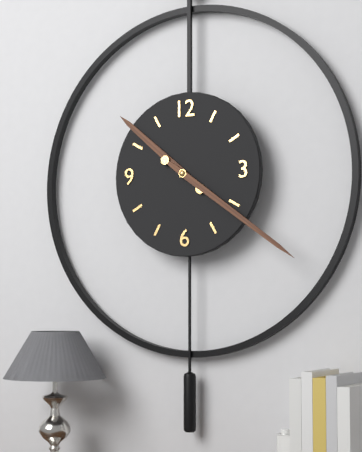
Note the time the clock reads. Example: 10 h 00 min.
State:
10 h 21 min
